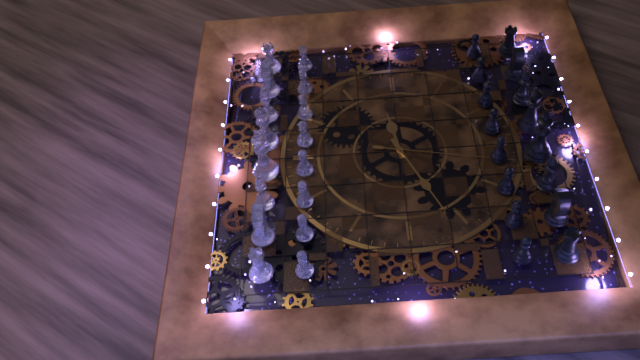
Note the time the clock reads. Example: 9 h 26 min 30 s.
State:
2 h 41 min 32 s
